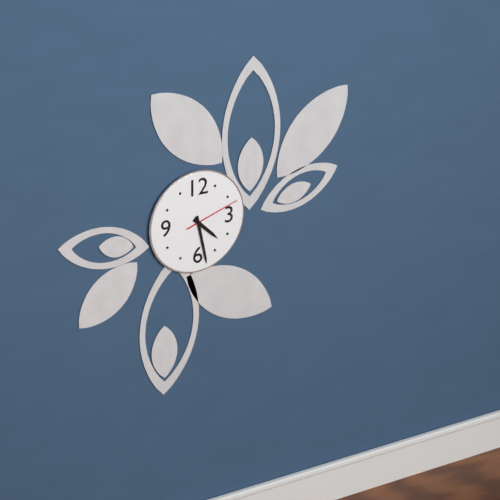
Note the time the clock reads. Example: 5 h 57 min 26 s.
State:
4 h 28 min 12 s
